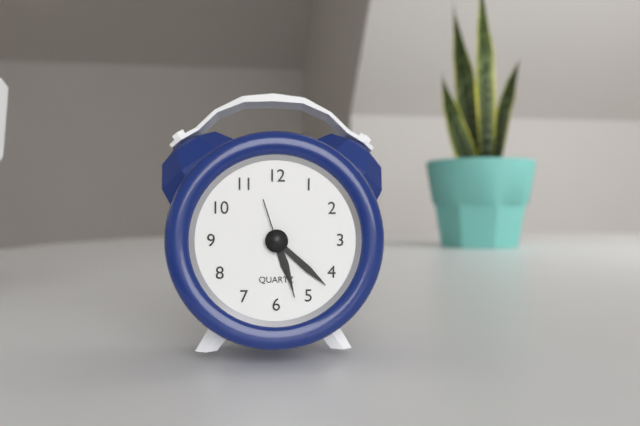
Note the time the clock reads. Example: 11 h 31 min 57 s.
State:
5 h 22 min 27 s
